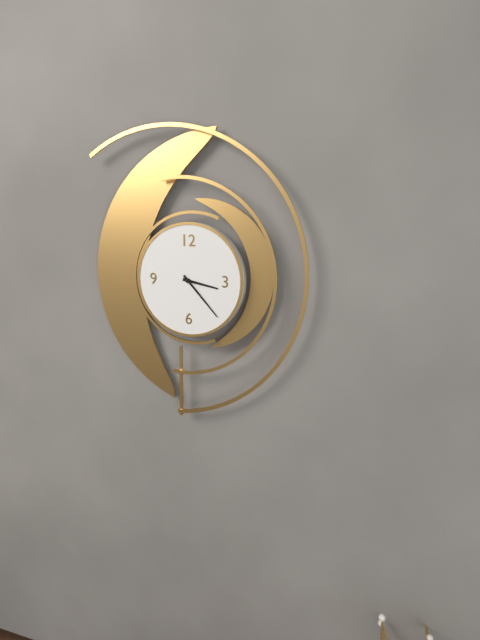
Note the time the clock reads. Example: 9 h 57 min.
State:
3 h 23 min
